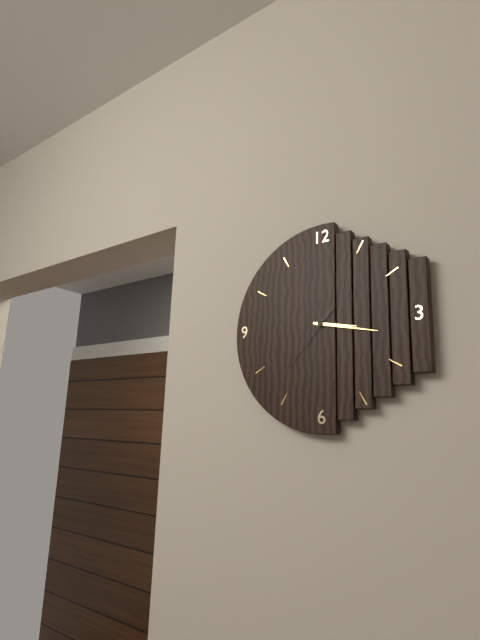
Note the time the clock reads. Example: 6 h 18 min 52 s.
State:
3 h 17 min 37 s
